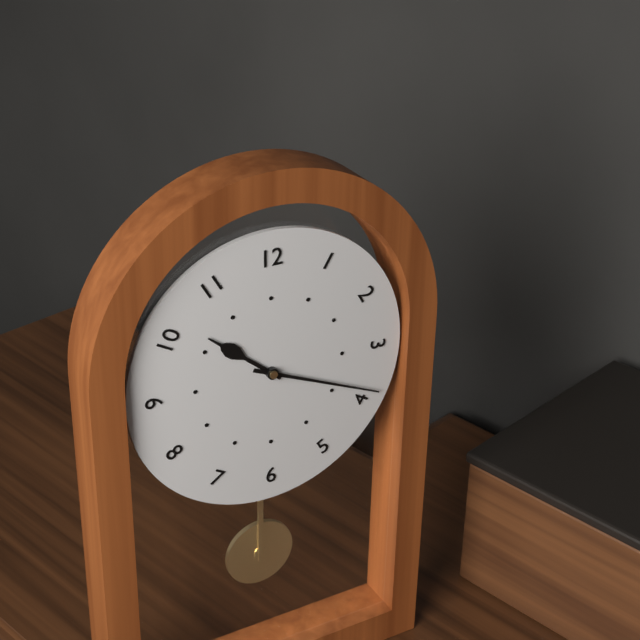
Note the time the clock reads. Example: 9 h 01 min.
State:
10 h 19 min
